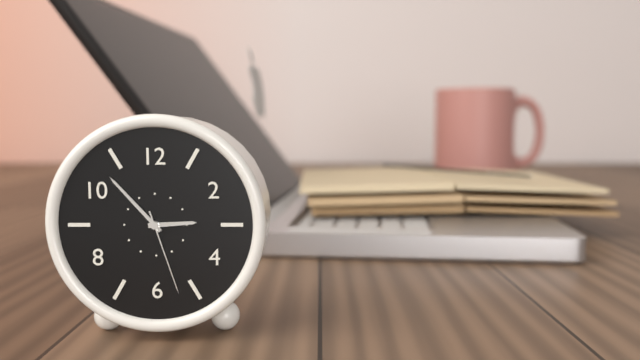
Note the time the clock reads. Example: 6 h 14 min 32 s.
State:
2 h 53 min 27 s
